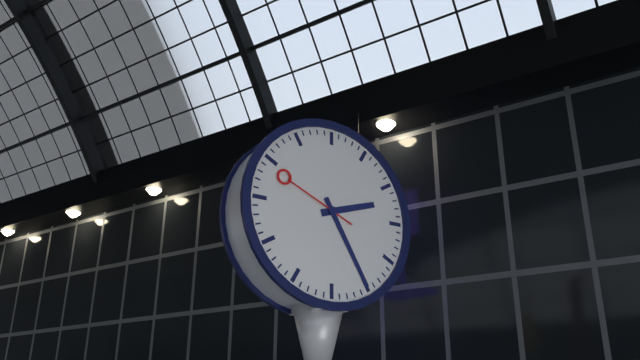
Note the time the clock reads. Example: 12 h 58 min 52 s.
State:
2 h 25 min 49 s
